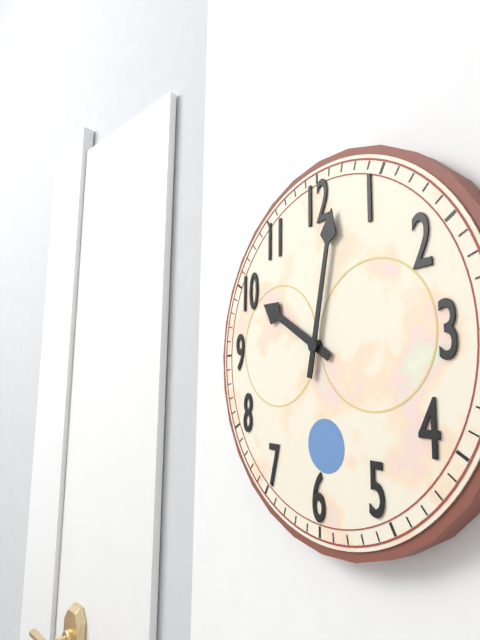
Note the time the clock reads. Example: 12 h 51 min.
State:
10 h 02 min
